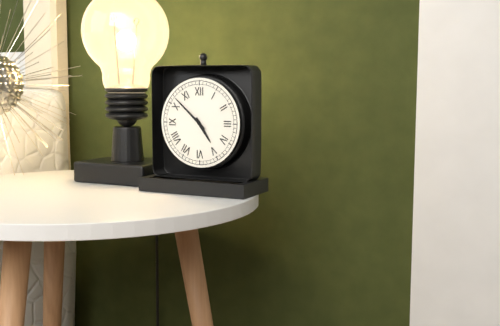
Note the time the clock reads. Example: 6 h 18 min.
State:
4 h 52 min
